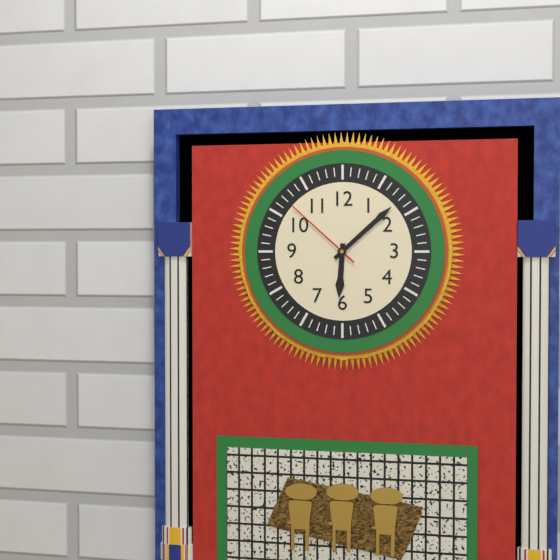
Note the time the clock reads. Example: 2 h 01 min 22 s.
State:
6 h 08 min 52 s
